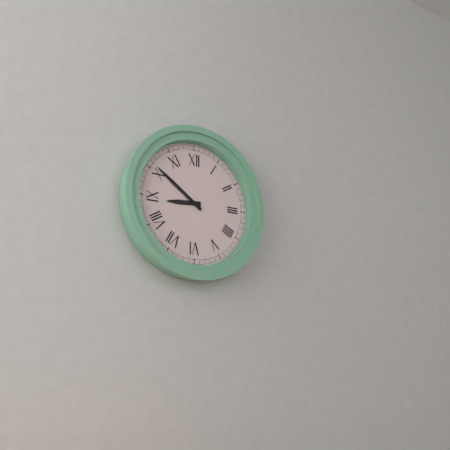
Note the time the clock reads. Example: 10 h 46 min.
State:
8 h 51 min
